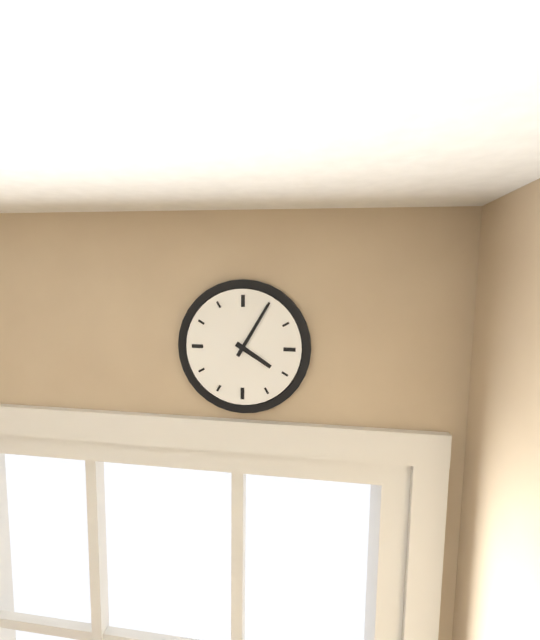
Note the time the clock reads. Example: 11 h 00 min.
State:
4 h 05 min
